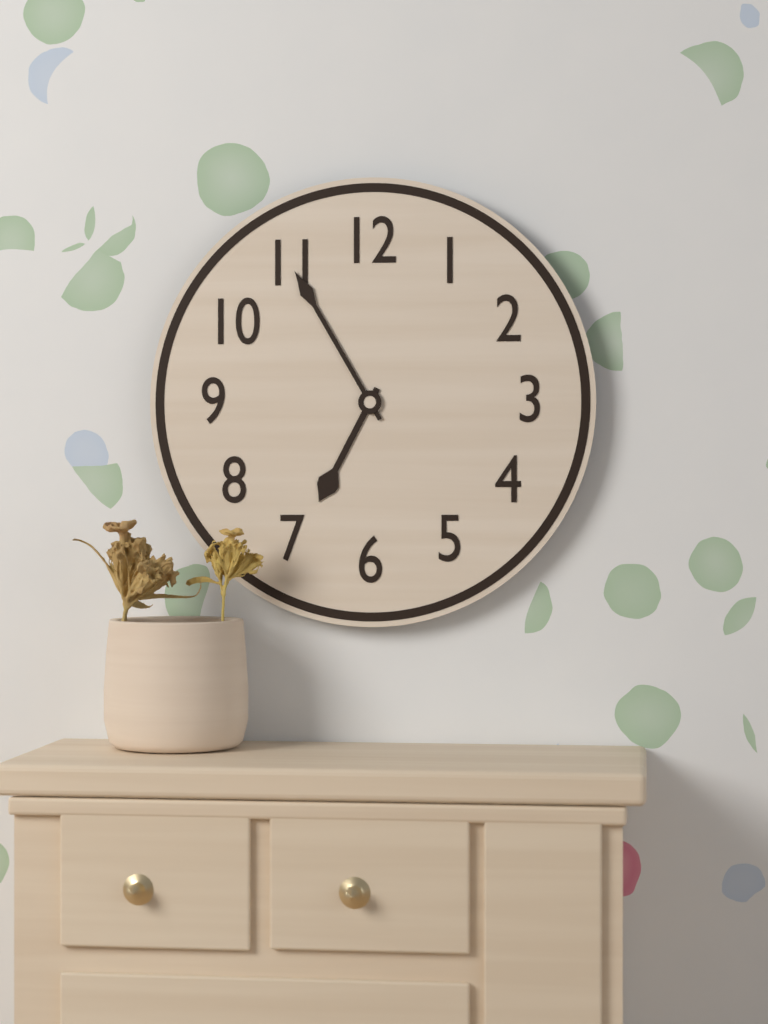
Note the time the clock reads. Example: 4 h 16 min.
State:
6 h 55 min
